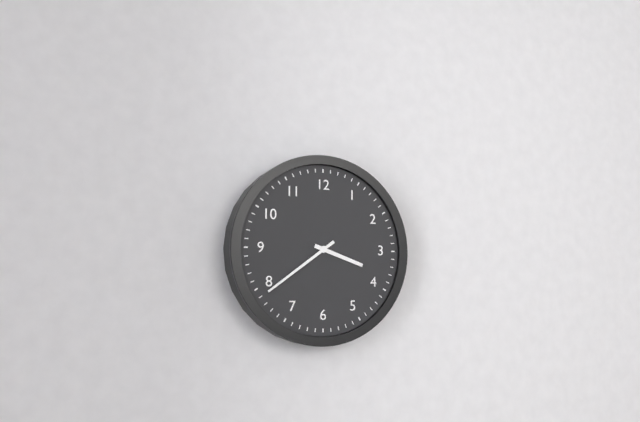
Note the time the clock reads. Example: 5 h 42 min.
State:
3 h 39 min
